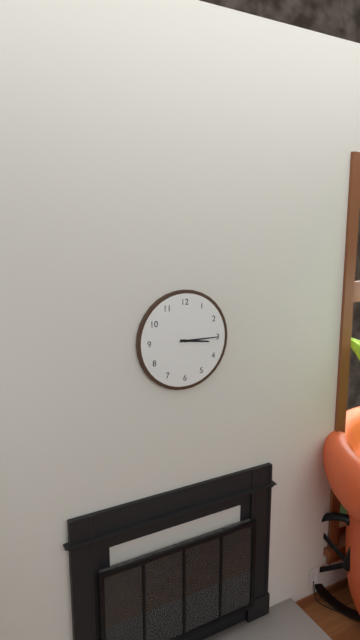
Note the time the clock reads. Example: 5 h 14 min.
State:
3 h 15 min
